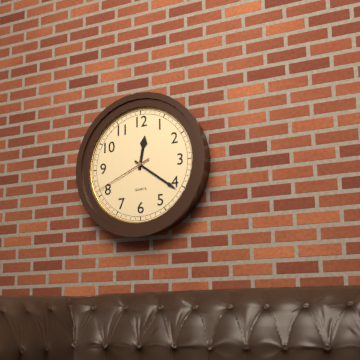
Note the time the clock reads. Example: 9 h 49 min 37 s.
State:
12 h 21 min 41 s
